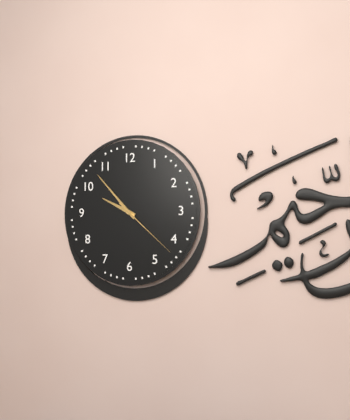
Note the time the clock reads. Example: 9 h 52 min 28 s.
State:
9 h 53 min 22 s
